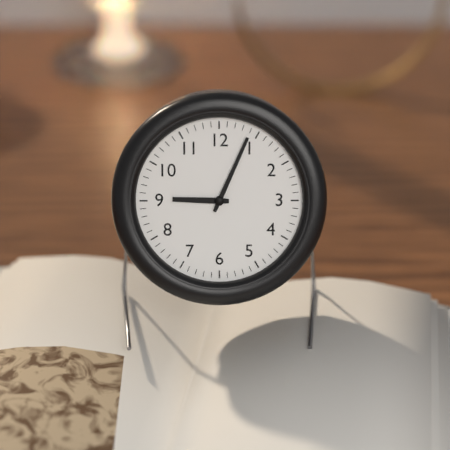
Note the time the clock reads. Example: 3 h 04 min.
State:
9 h 04 min
